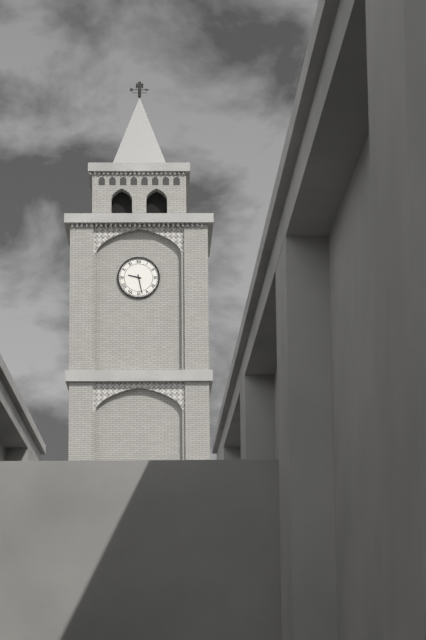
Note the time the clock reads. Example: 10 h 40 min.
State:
9 h 28 min
